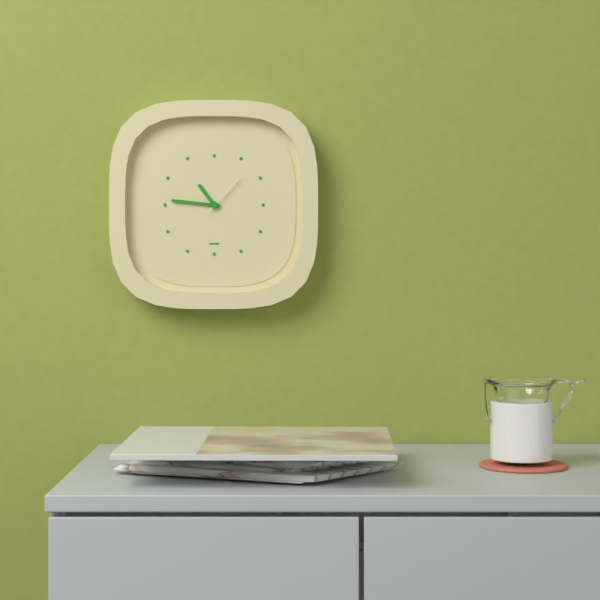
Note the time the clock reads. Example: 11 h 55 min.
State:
10 h 46 min
